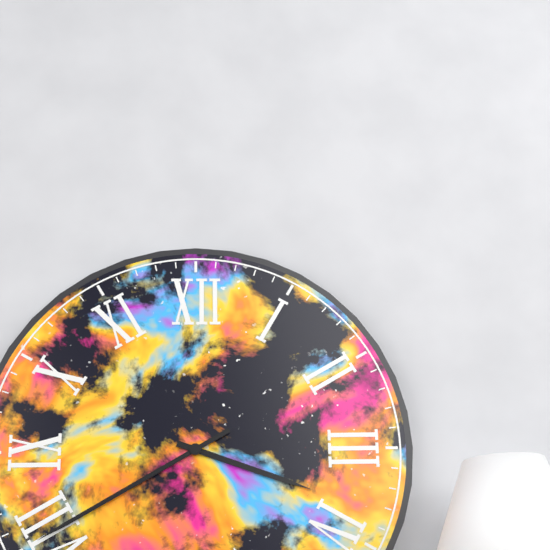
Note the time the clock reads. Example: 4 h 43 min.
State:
3 h 40 min
